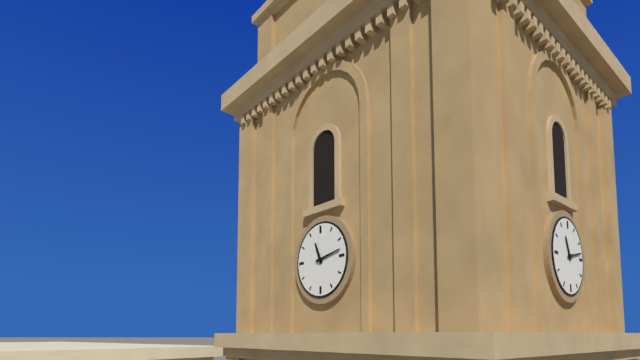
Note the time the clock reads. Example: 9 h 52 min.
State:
11 h 13 min
